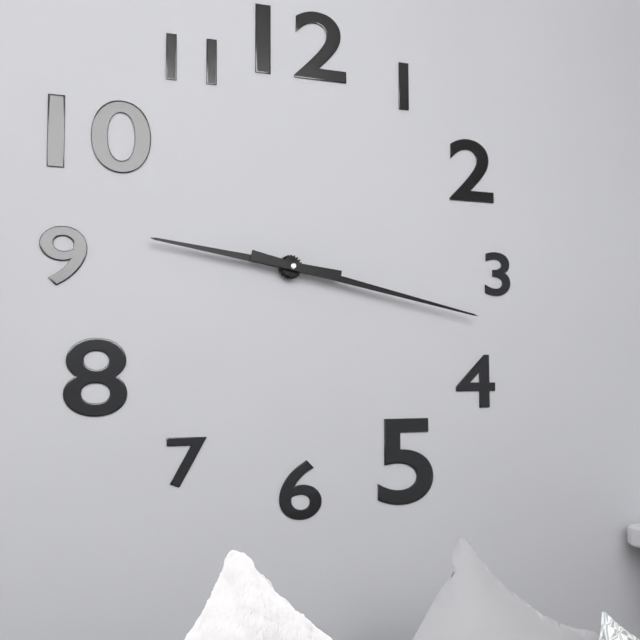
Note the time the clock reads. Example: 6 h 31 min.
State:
9 h 17 min
